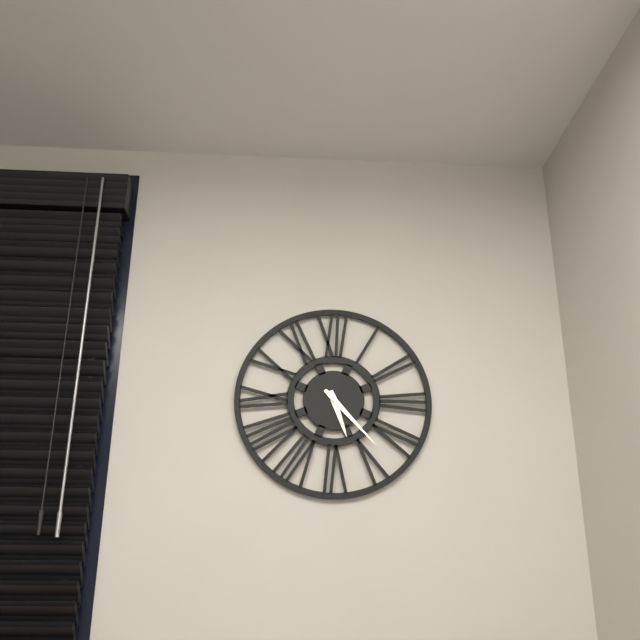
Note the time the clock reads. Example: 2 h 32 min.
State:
5 h 23 min
